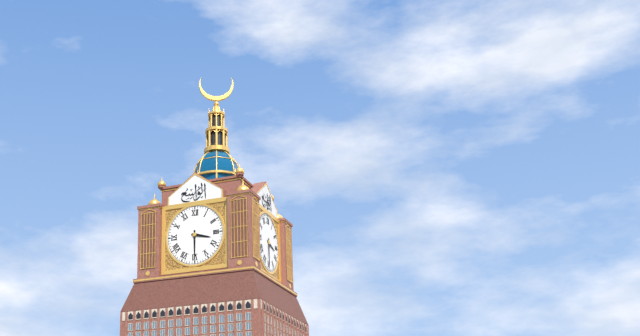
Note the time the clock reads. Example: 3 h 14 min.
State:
3 h 30 min
